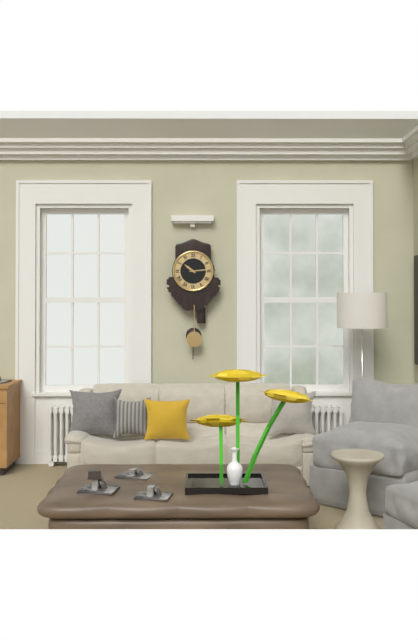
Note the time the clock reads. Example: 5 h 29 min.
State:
10 h 14 min
